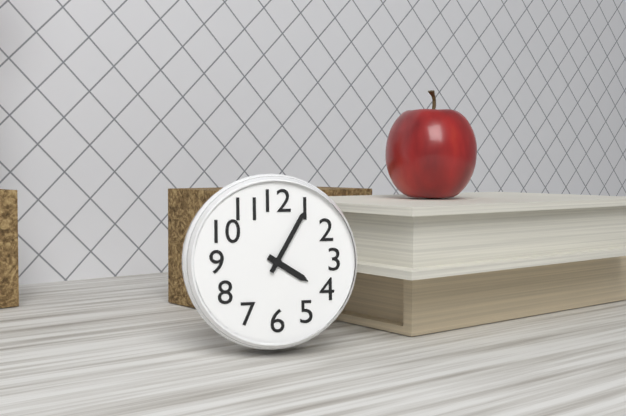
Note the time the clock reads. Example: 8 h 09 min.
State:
4 h 05 min
